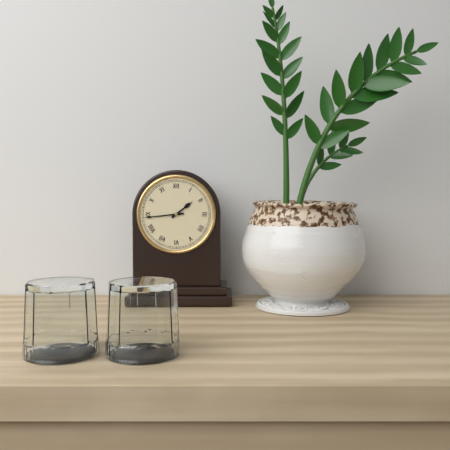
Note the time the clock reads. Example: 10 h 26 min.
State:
1 h 44 min
